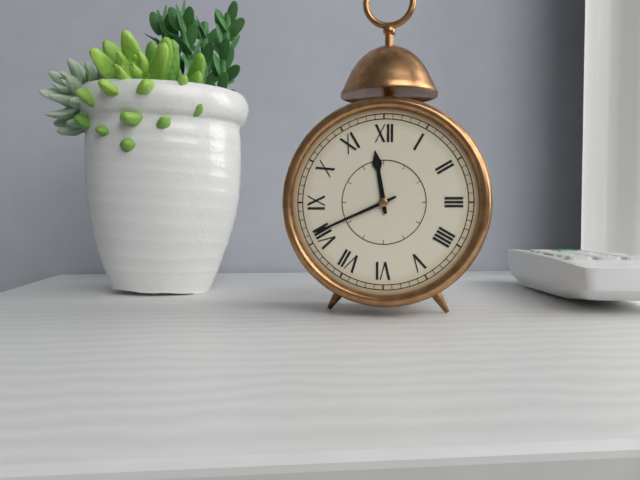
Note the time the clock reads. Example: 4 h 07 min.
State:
11 h 41 min
